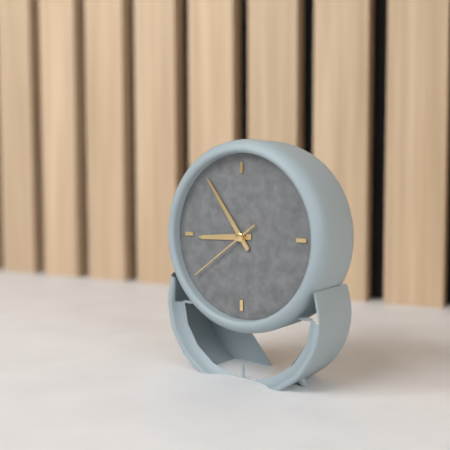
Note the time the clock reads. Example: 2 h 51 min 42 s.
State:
8 h 54 min 39 s
